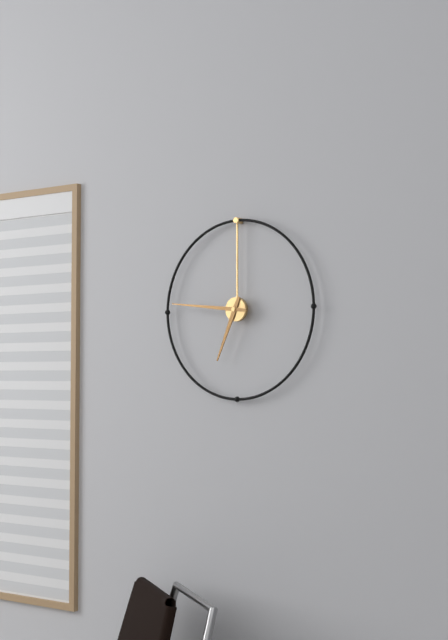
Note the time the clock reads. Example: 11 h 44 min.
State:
6 h 46 min
